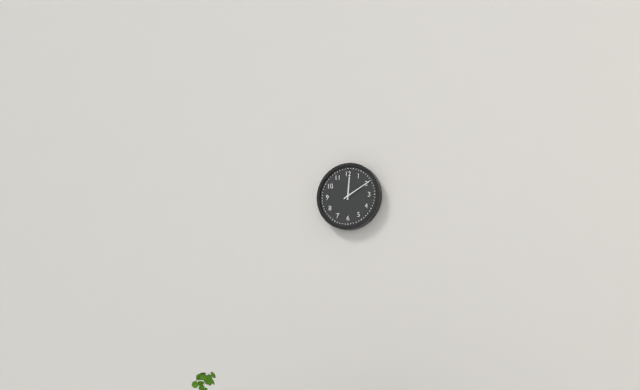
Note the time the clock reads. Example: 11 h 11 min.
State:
12 h 10 min
